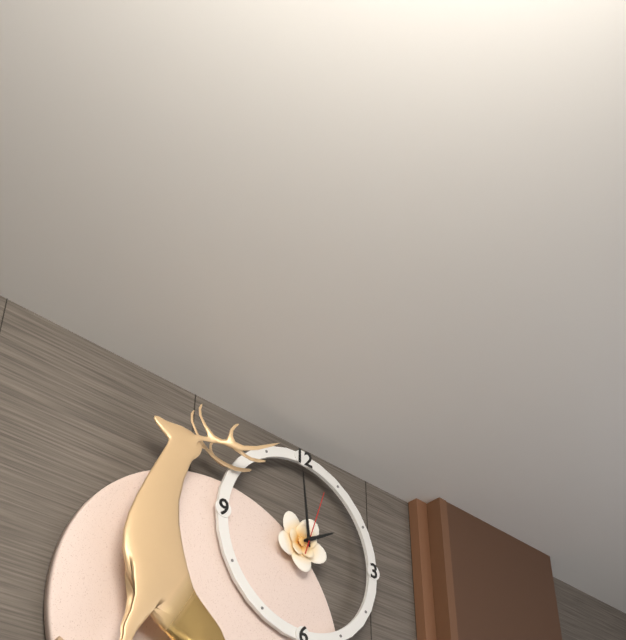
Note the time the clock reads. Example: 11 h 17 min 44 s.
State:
1 h 59 min 03 s
